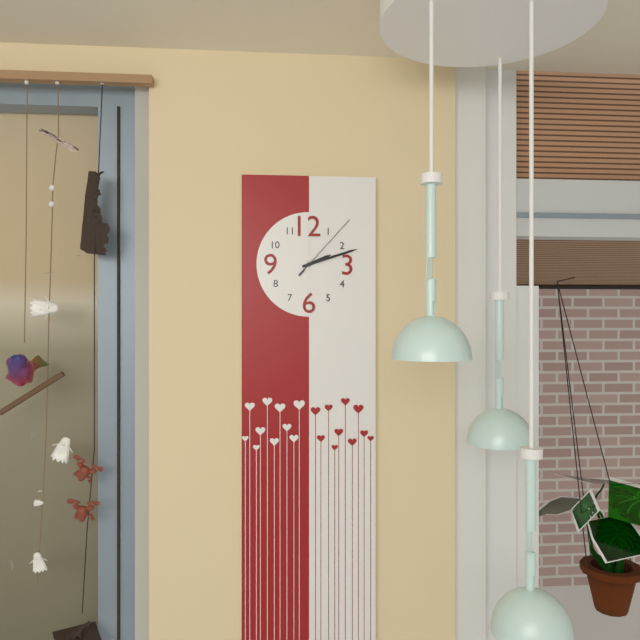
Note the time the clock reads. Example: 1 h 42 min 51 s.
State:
2 h 12 min 07 s
